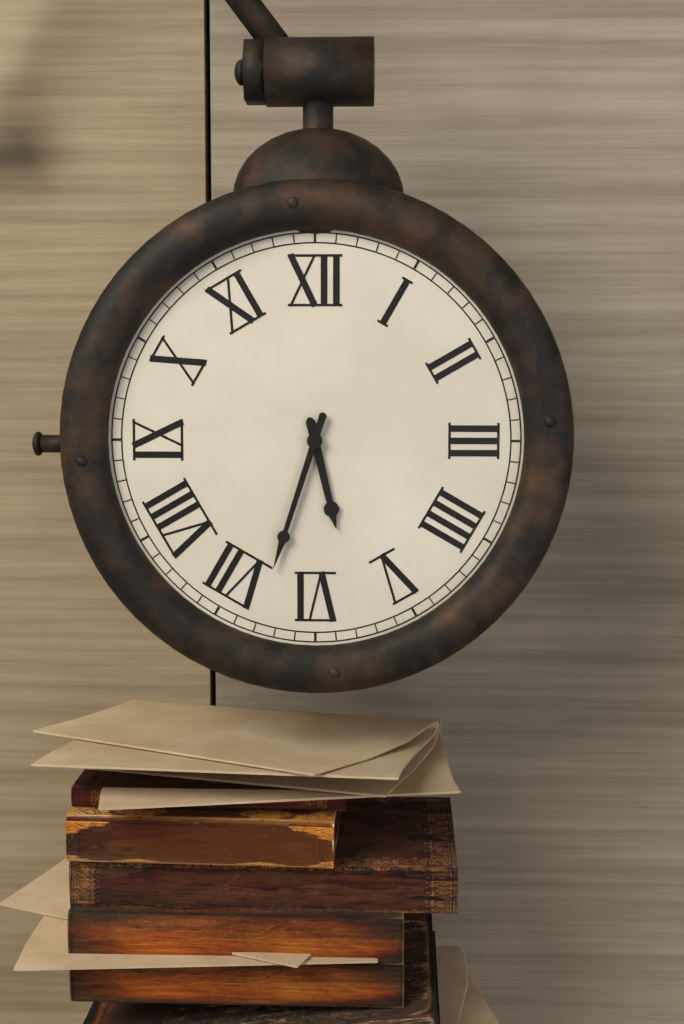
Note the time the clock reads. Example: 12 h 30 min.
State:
5 h 33 min
